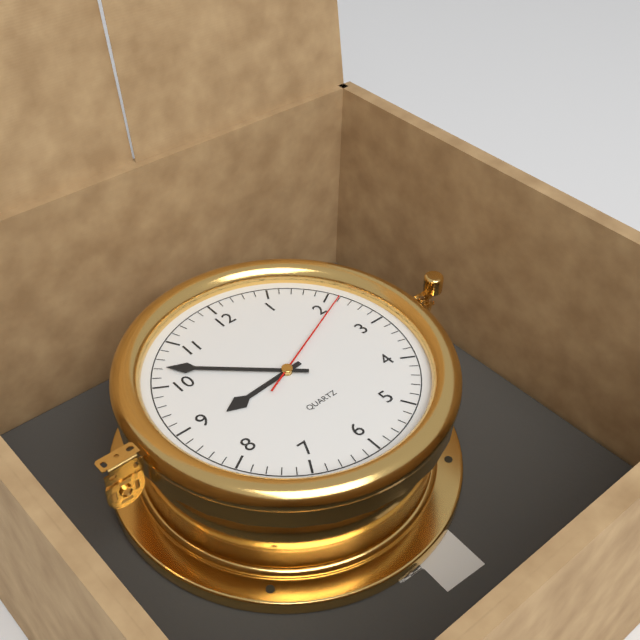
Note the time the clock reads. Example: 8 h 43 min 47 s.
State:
8 h 52 min 11 s
